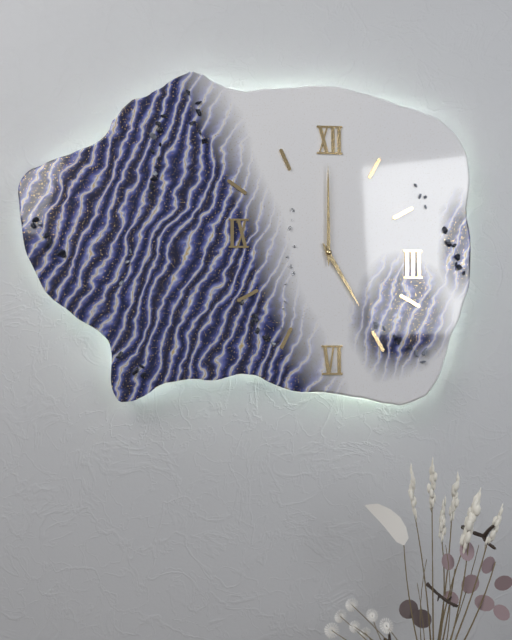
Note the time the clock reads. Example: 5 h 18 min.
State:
5 h 00 min
